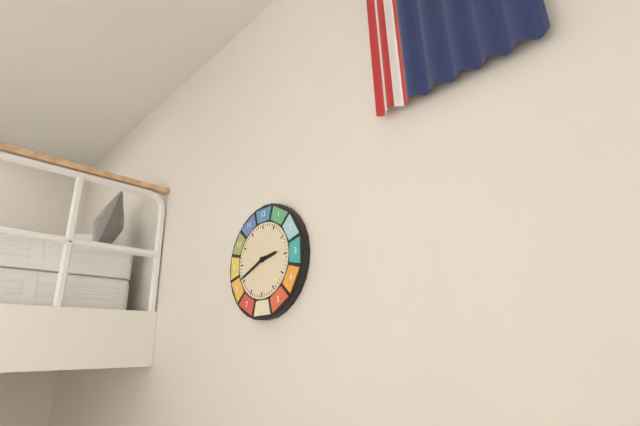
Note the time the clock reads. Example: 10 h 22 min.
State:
2 h 41 min
